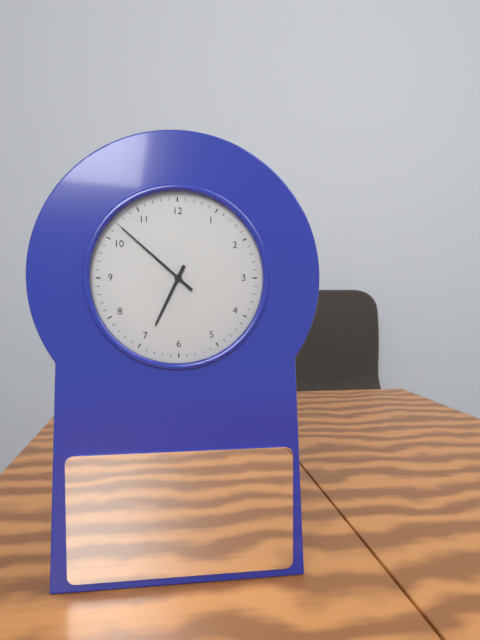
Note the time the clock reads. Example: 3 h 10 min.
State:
6 h 52 min
